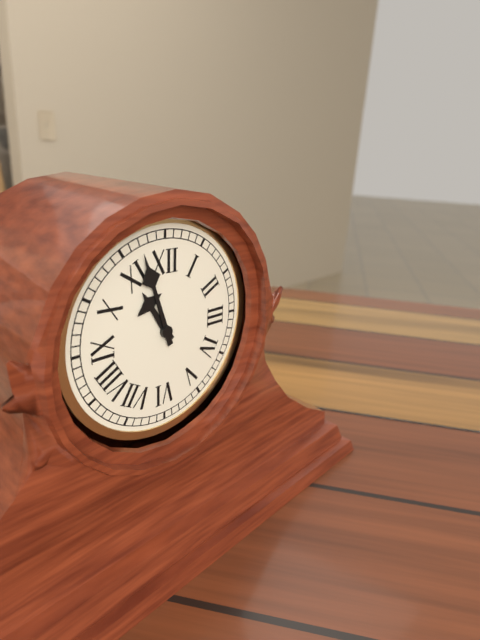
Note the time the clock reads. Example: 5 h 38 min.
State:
10 h 57 min
